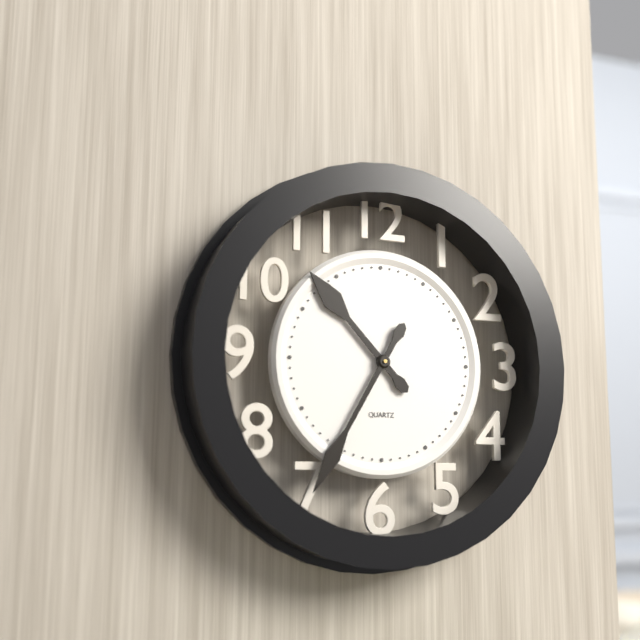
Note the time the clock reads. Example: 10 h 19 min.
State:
10 h 35 min
